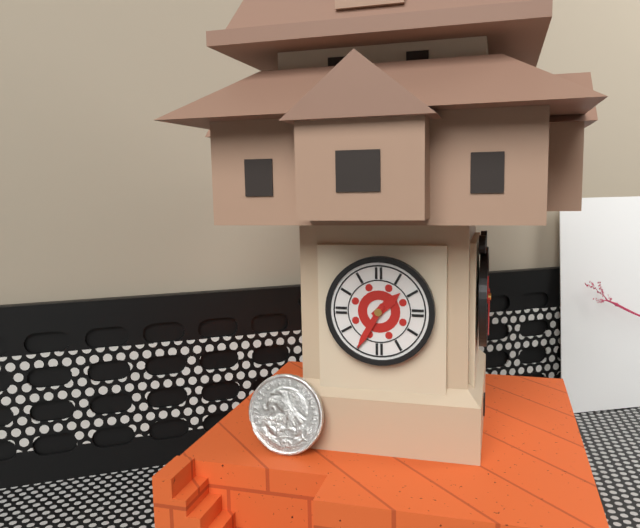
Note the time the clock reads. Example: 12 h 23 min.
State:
1 h 35 min
